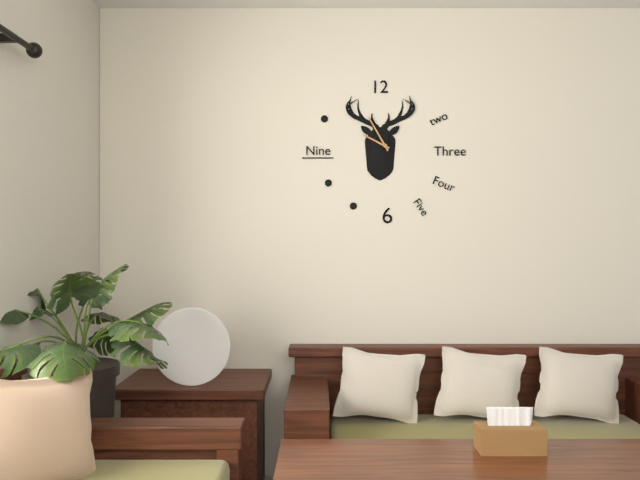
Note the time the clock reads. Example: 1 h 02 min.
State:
9 h 55 min
